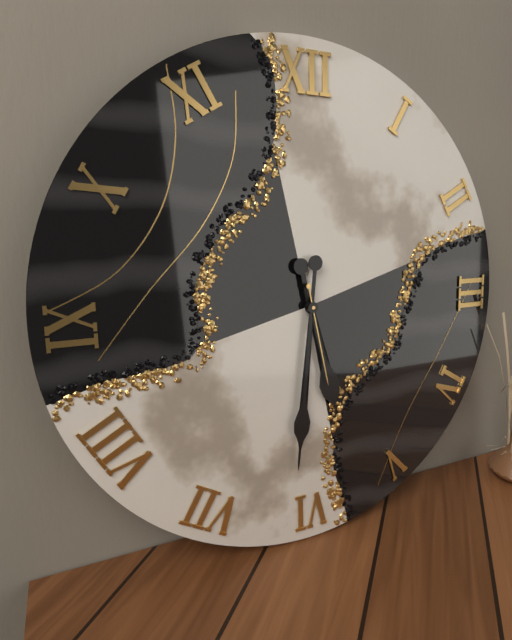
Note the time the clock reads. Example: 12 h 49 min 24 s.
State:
5 h 31 min 28 s
